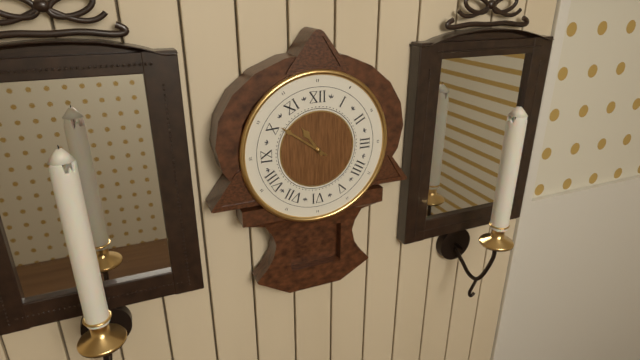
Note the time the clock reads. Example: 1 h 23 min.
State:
10 h 51 min
